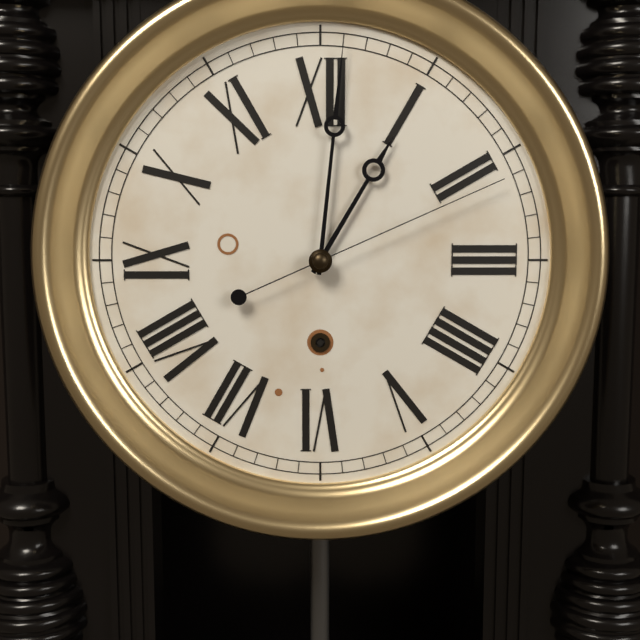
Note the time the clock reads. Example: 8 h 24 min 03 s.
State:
1 h 01 min 11 s
